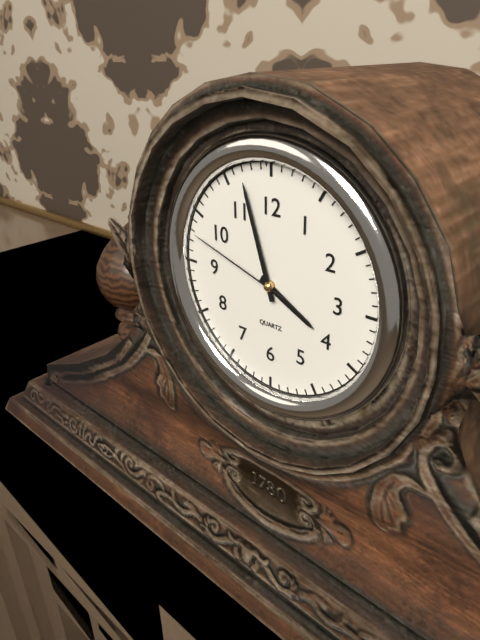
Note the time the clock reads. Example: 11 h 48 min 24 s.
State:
3 h 57 min 48 s
